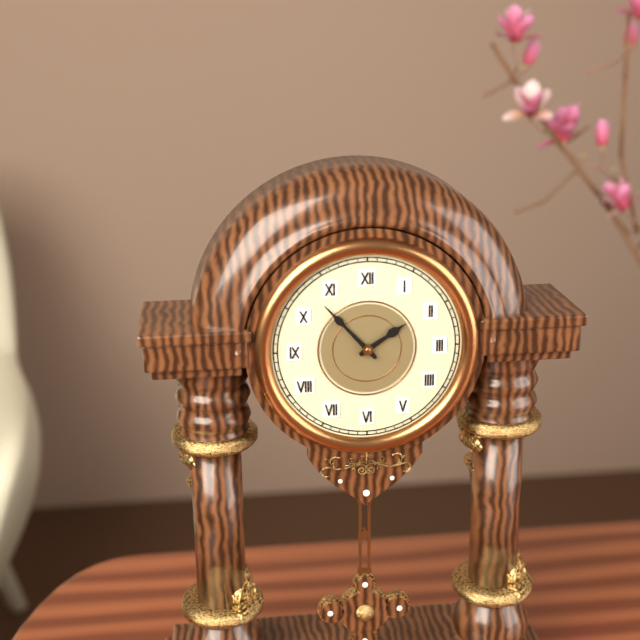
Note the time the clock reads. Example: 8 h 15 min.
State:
1 h 53 min
